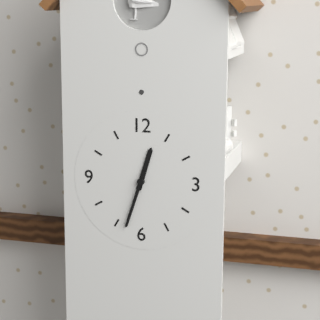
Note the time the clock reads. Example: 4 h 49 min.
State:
12 h 33 min
